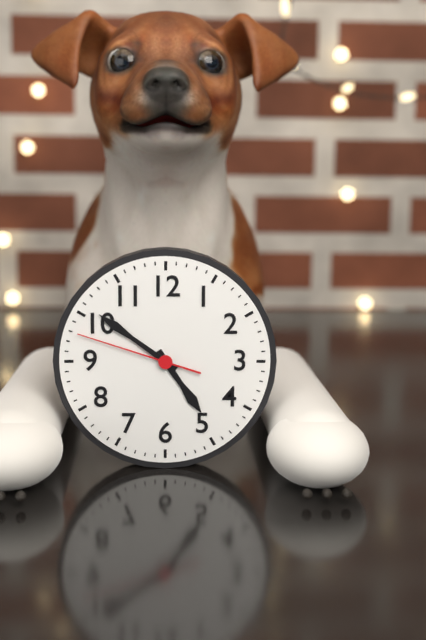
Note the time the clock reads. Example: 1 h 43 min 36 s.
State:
4 h 51 min 48 s
